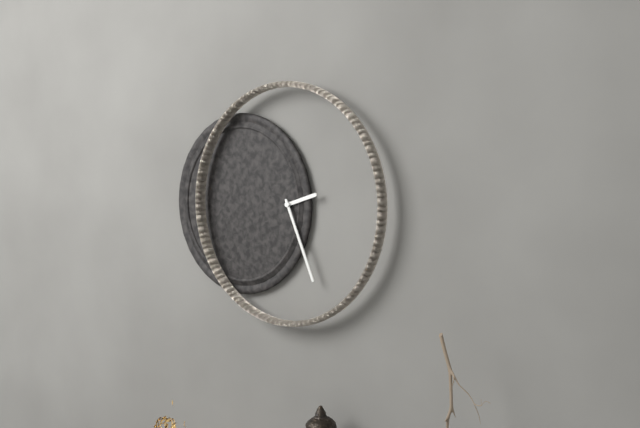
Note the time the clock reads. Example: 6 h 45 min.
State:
2 h 26 min
